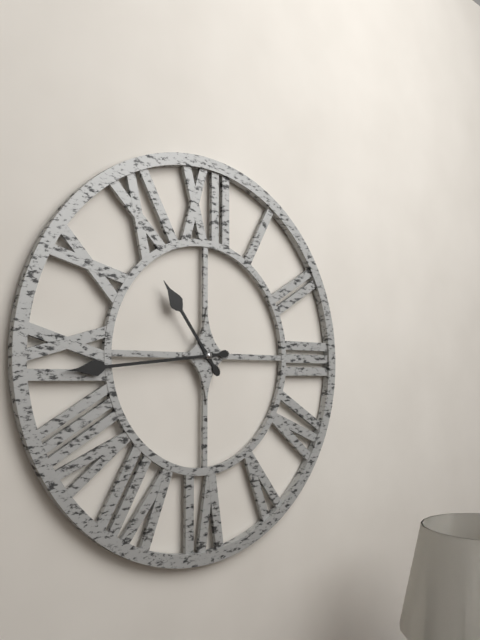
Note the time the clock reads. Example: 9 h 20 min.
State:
10 h 44 min
